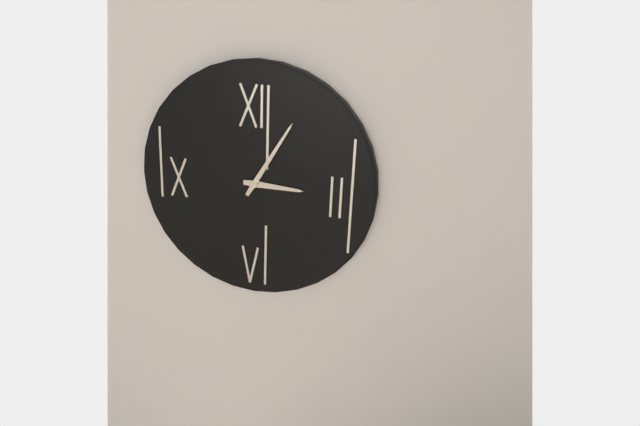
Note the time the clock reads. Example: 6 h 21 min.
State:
3 h 05 min
